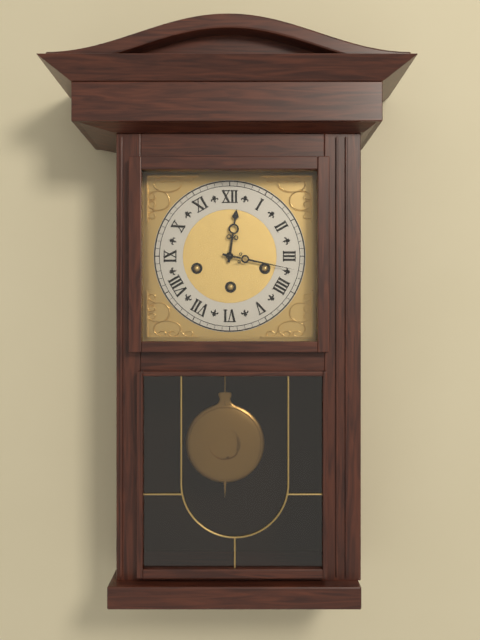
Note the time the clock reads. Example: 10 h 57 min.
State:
12 h 17 min
